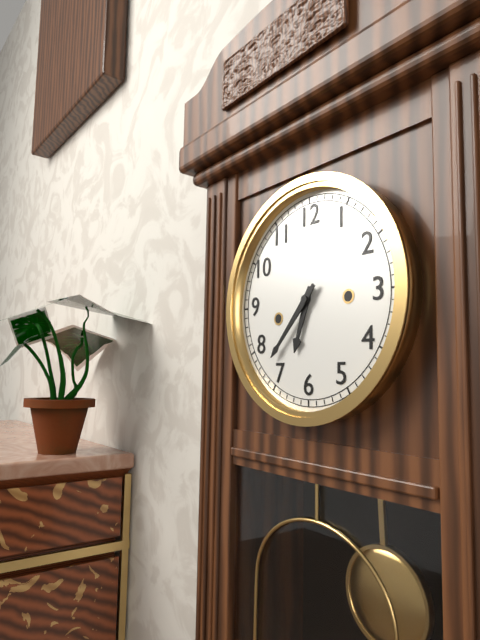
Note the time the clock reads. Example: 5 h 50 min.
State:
6 h 37 min
